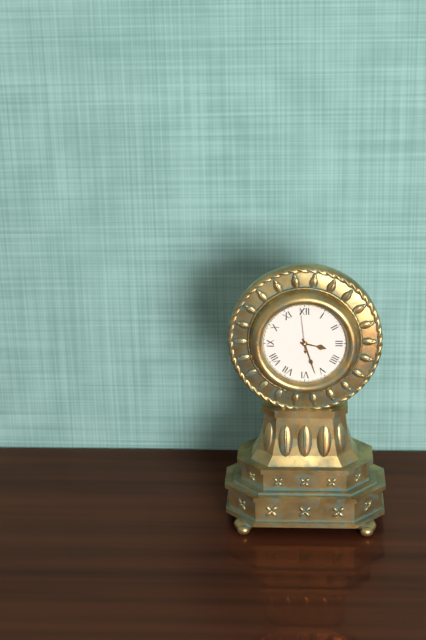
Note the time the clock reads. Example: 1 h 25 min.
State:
3 h 27 min
